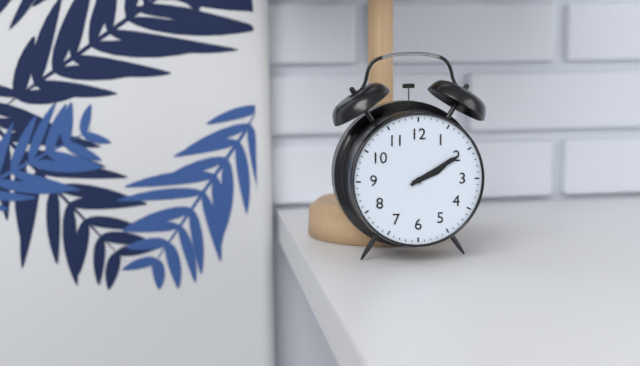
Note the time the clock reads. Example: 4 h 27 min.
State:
2 h 10 min
